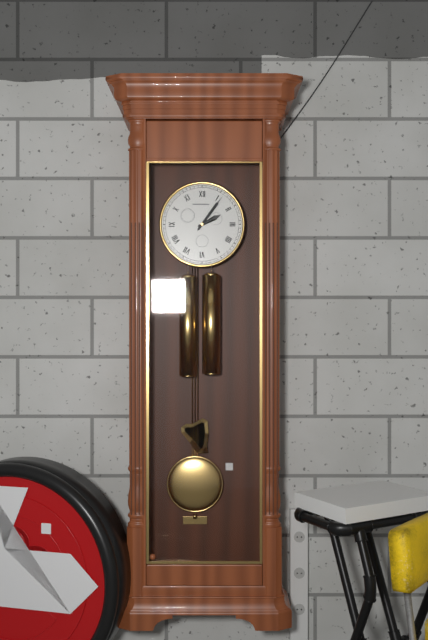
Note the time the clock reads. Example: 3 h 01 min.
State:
2 h 06 min
